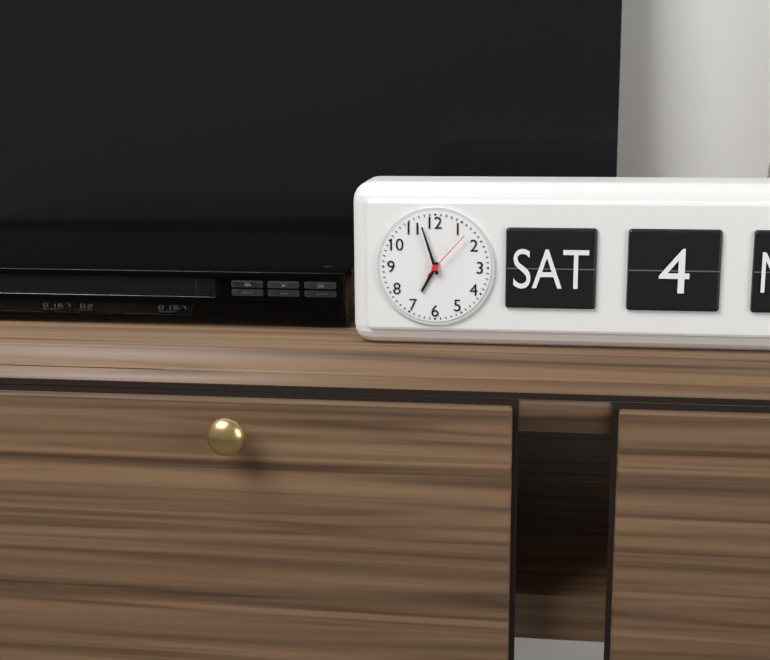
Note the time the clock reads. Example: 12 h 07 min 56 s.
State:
6 h 57 min 07 s
